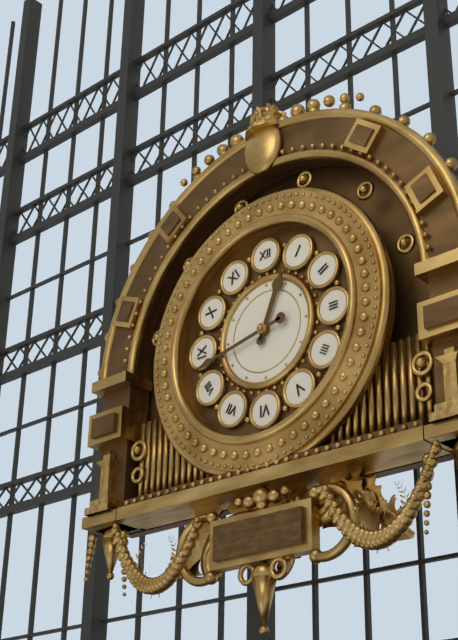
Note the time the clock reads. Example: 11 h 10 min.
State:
12 h 43 min
